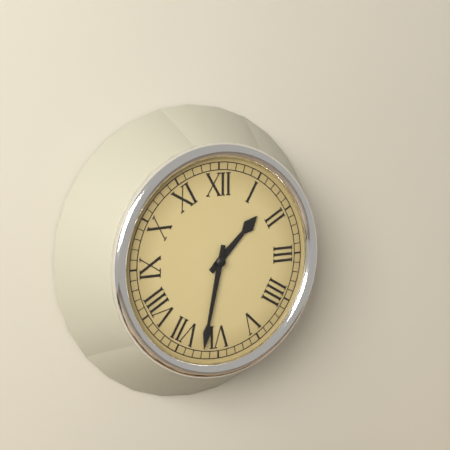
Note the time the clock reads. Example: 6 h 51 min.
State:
1 h 32 min
